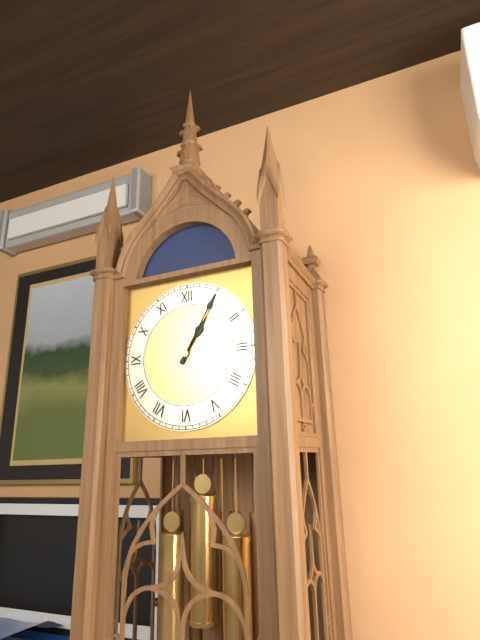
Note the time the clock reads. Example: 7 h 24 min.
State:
1 h 05 min
